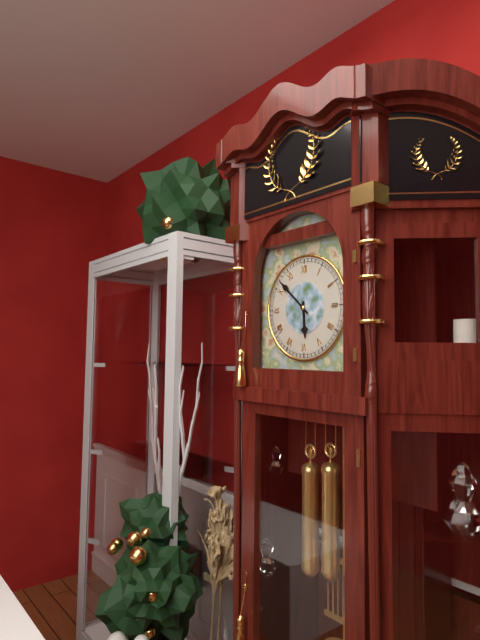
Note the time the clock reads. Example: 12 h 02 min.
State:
5 h 52 min
